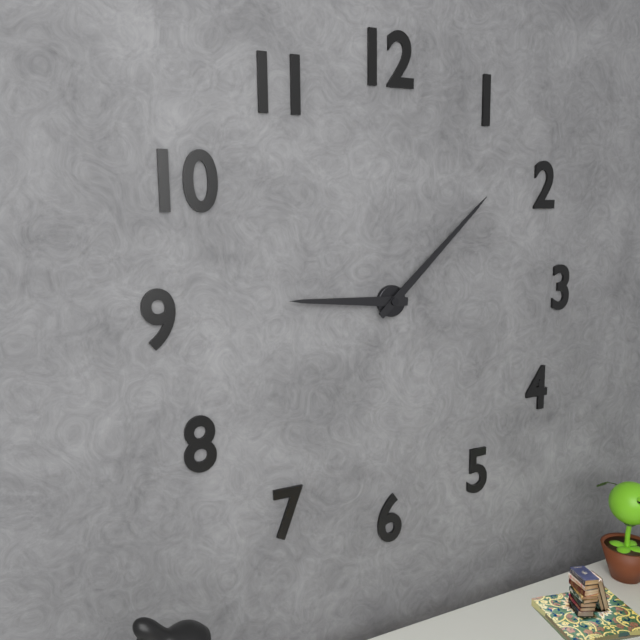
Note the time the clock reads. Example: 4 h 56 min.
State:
9 h 08 min
